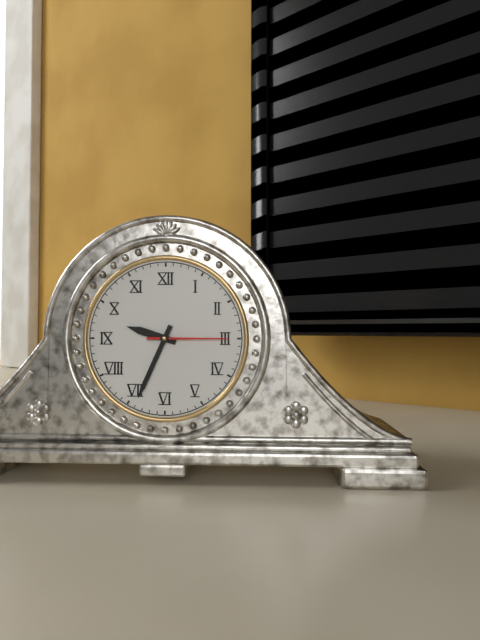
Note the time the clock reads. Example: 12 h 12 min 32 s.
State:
9 h 34 min 15 s
